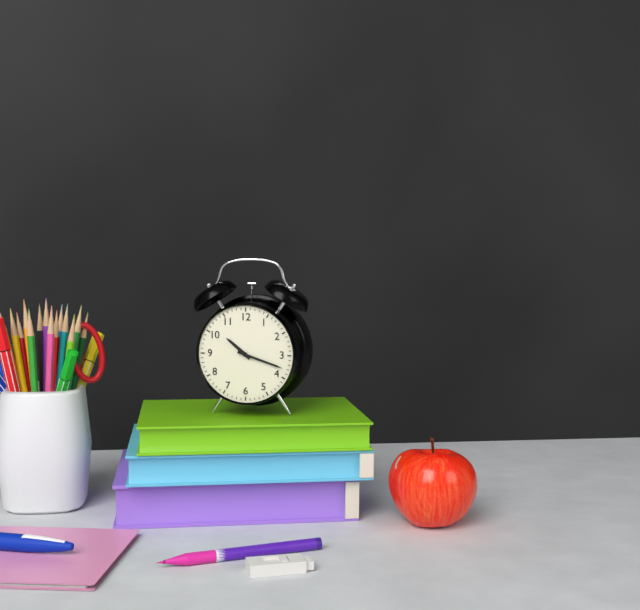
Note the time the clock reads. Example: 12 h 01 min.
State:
10 h 18 min
